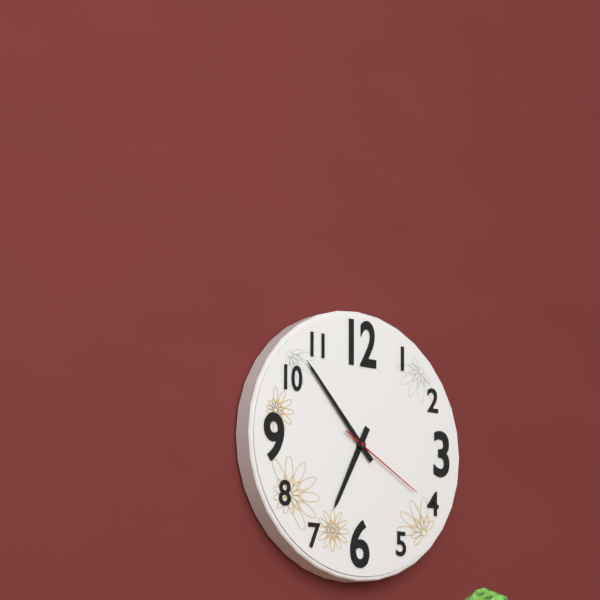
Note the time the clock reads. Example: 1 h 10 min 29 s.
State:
6 h 53 min 20 s
